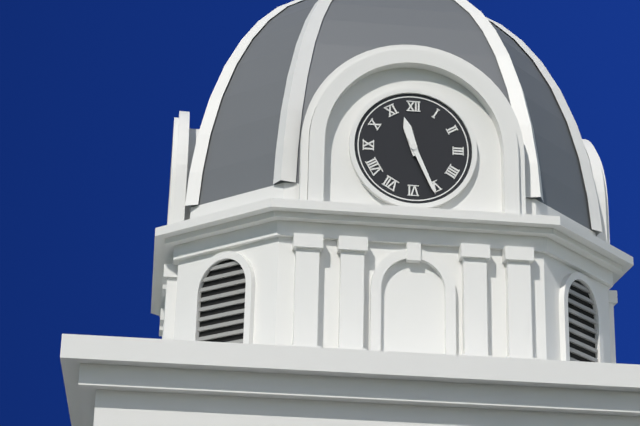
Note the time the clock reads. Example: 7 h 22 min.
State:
11 h 26 min
